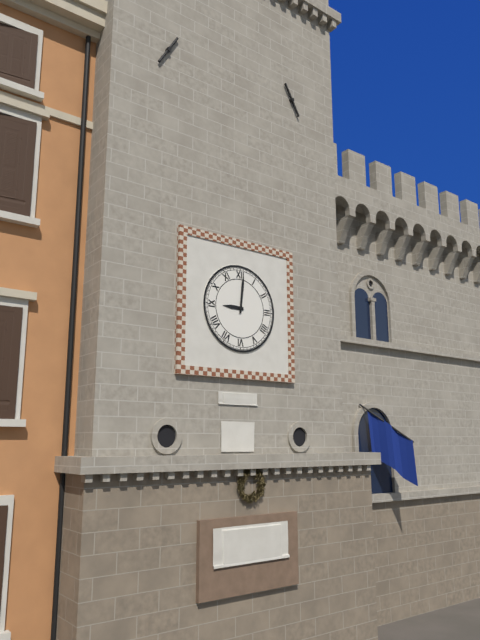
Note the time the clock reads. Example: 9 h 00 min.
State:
9 h 01 min
